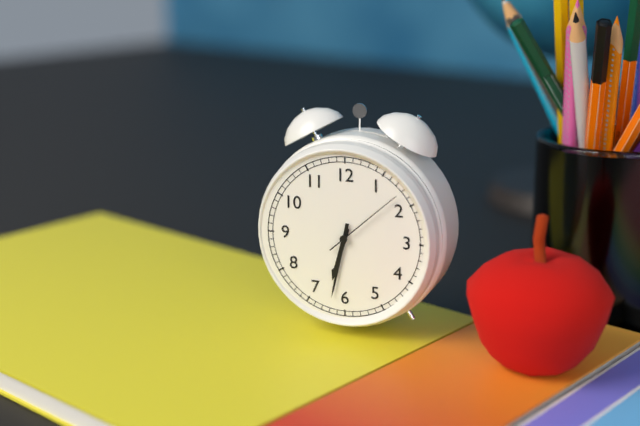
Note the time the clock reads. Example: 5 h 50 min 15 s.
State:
6 h 32 min 08 s
